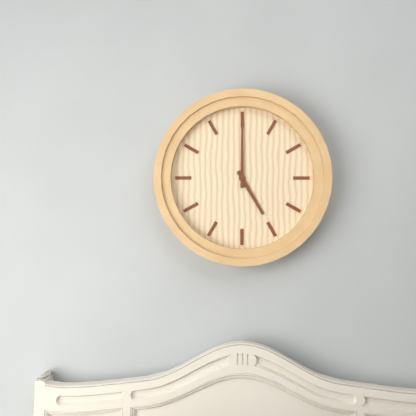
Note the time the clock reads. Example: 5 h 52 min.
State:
5 h 00 min
